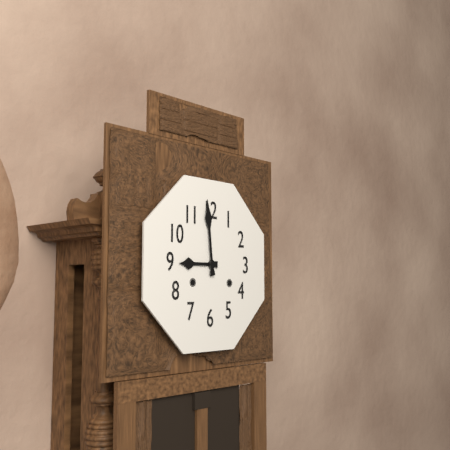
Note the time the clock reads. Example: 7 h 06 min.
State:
8 h 59 min
